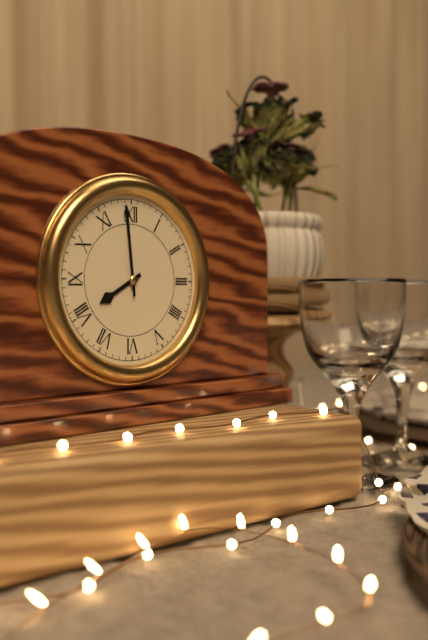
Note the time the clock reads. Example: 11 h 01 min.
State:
7 h 59 min
